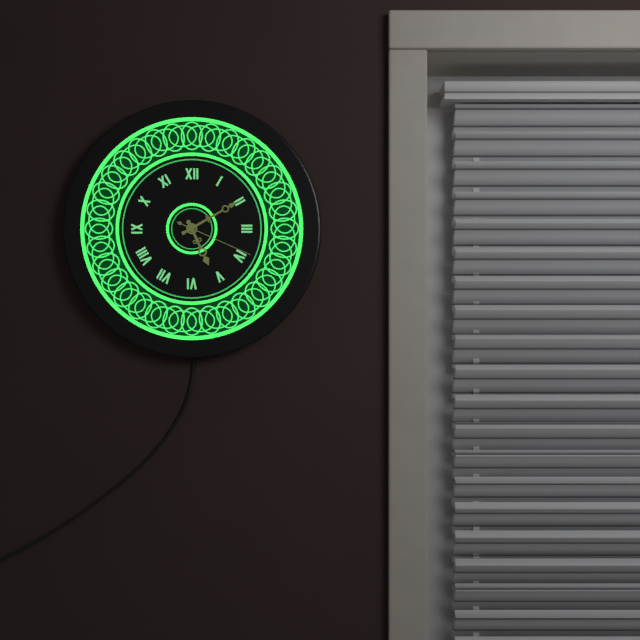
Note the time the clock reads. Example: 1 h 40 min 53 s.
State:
5 h 10 min 19 s
